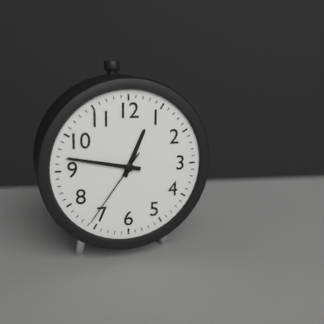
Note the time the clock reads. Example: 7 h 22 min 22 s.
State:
12 h 47 min 36 s
